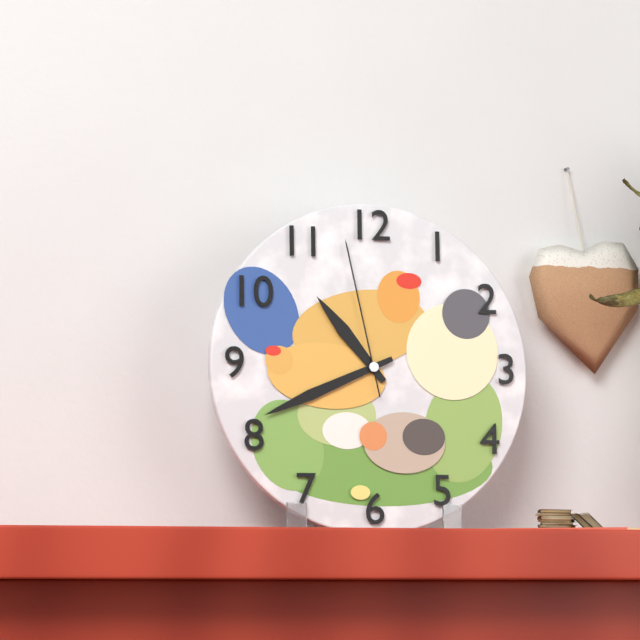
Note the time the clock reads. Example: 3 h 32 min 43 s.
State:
10 h 41 min 58 s
